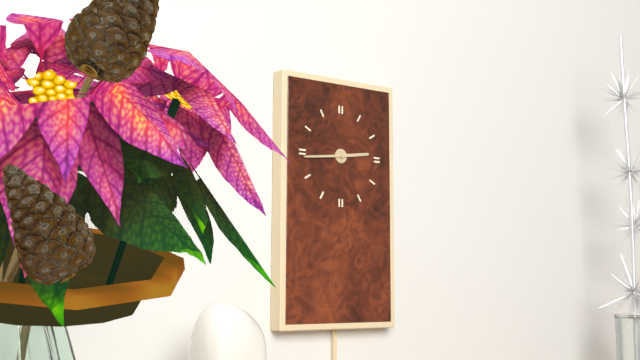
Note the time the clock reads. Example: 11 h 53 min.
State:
2 h 44 min
